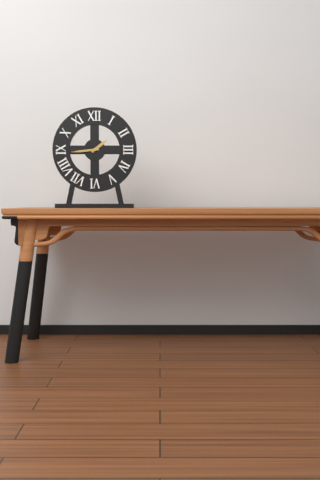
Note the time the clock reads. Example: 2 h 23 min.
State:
1 h 44 min
